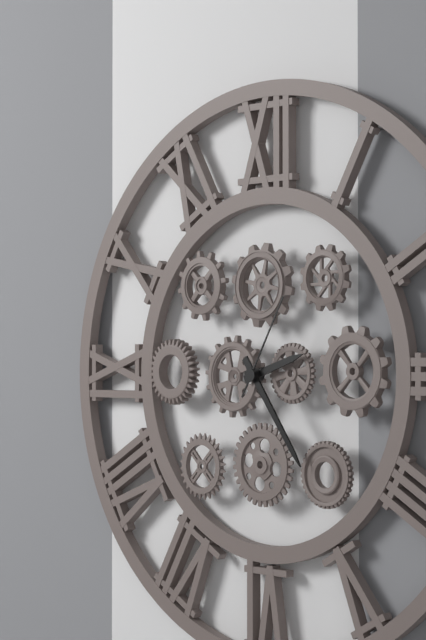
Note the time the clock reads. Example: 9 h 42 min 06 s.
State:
2 h 24 min 05 s
